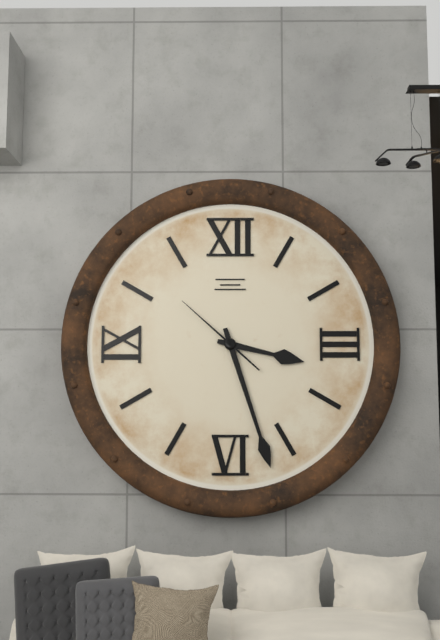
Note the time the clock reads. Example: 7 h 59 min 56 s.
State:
3 h 27 min 52 s
